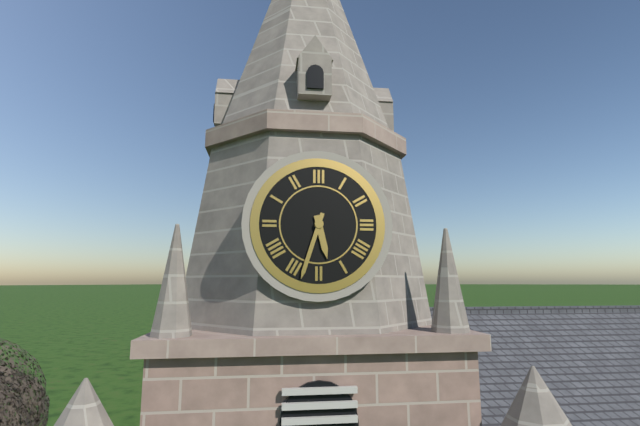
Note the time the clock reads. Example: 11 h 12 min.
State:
5 h 33 min
